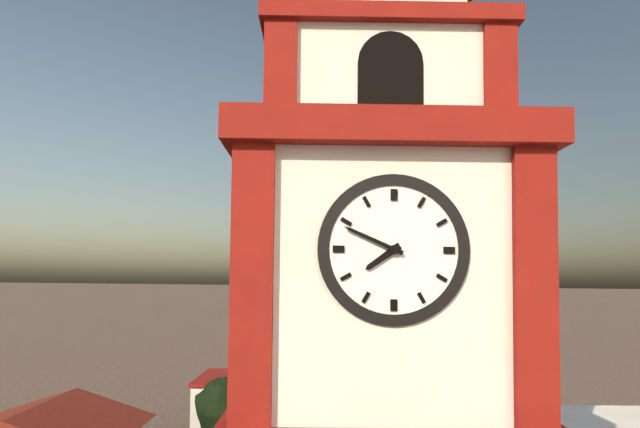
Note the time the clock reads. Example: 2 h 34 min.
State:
7 h 49 min
